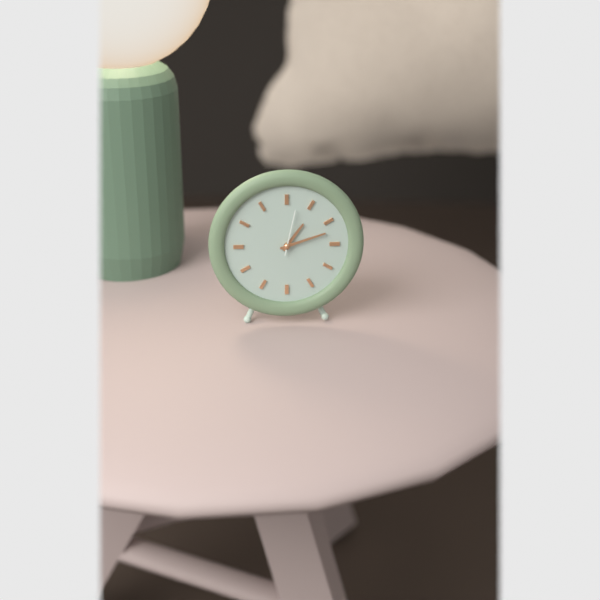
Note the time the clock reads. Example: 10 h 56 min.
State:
1 h 12 min
